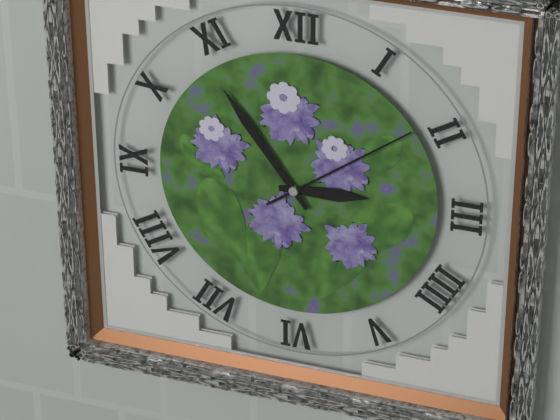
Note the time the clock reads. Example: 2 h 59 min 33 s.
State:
2 h 54 min 09 s
